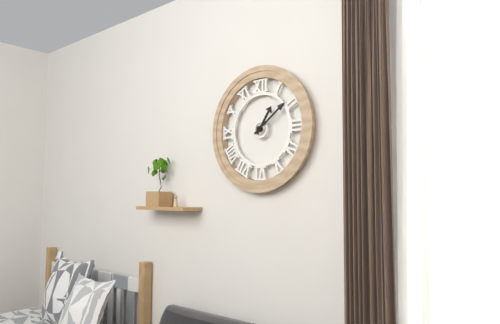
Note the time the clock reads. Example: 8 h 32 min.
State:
1 h 09 min
